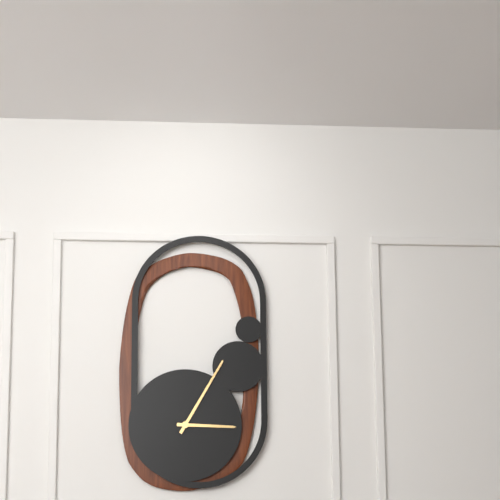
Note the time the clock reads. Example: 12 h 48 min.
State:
3 h 05 min
